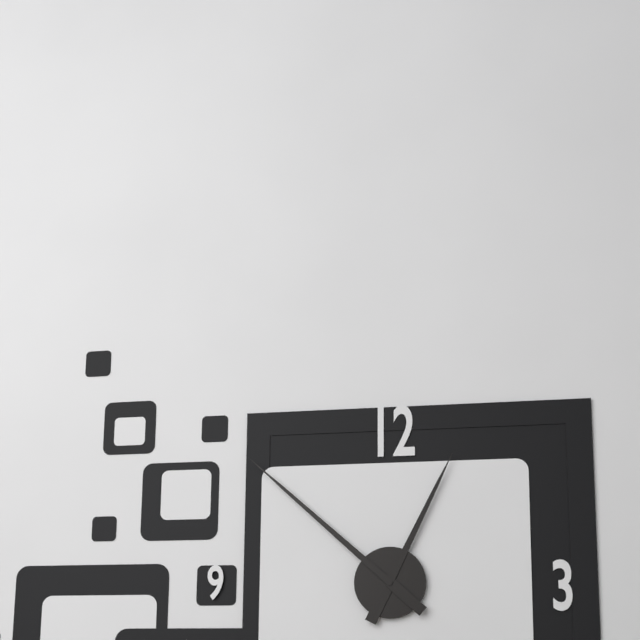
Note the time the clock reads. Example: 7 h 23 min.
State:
12 h 52 min
